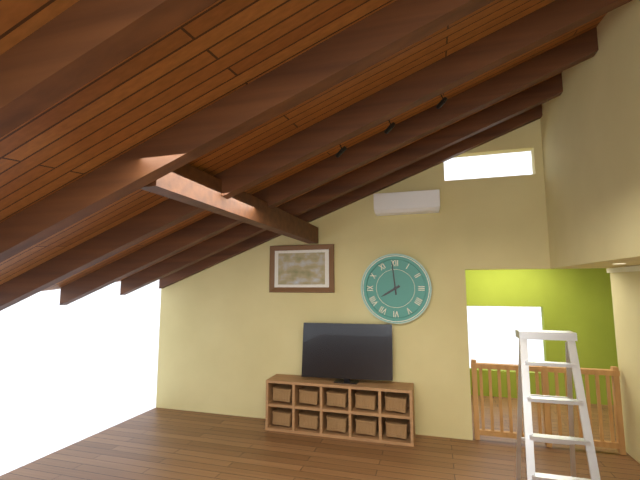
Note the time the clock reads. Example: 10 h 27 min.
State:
7 h 59 min
